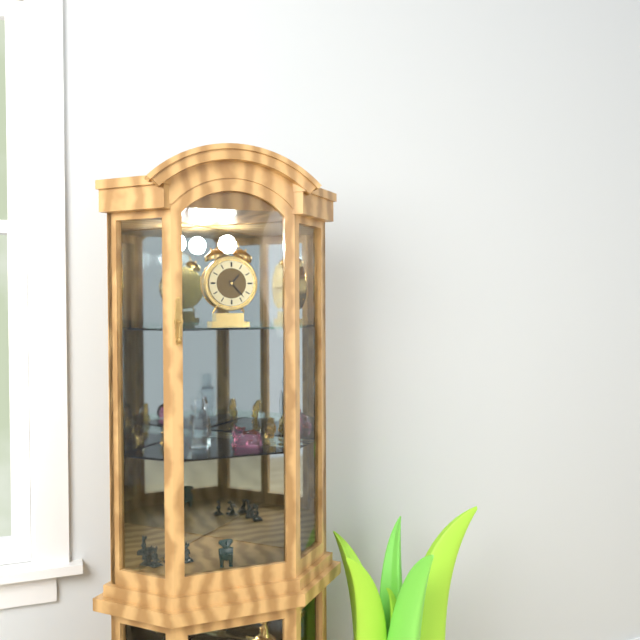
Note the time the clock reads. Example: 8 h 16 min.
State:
1 h 23 min
